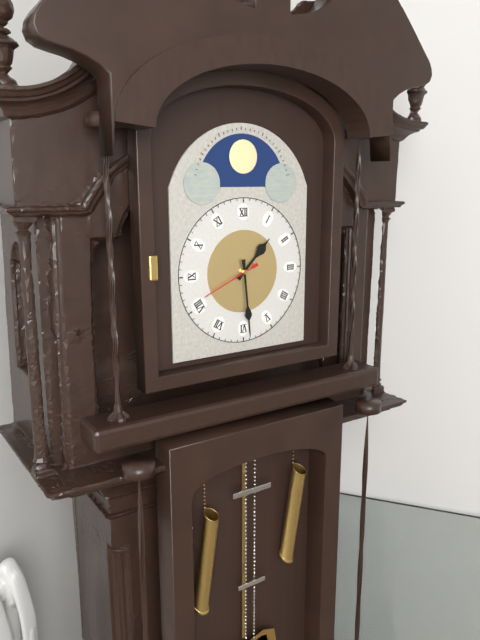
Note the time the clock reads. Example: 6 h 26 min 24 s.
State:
1 h 29 min 41 s
